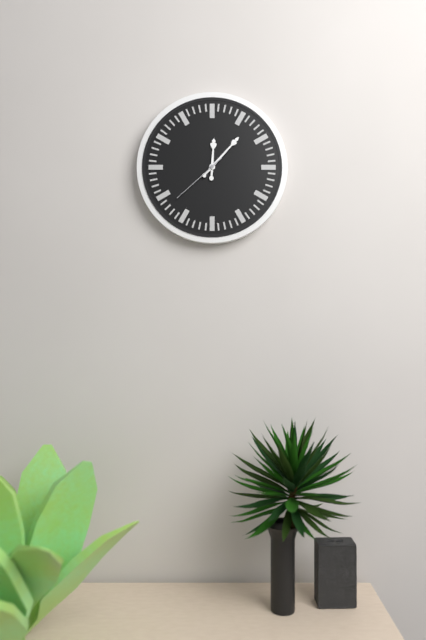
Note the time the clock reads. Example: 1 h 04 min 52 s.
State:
12 h 07 min 38 s
